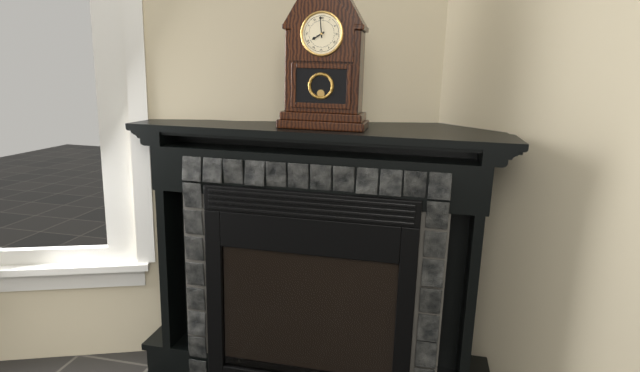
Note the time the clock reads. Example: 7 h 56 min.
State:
7 h 59 min
